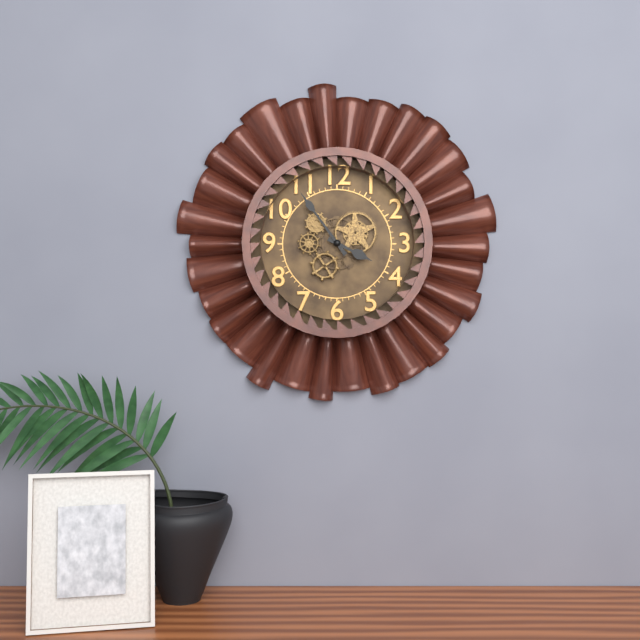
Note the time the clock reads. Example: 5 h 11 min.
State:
3 h 54 min
